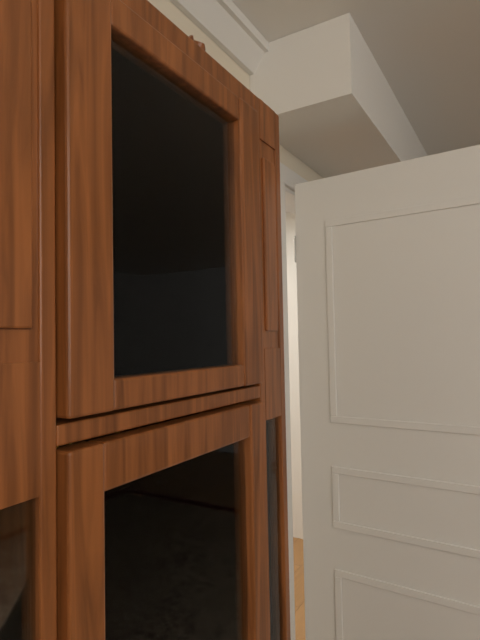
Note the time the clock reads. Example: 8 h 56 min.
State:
7 h 28 min
